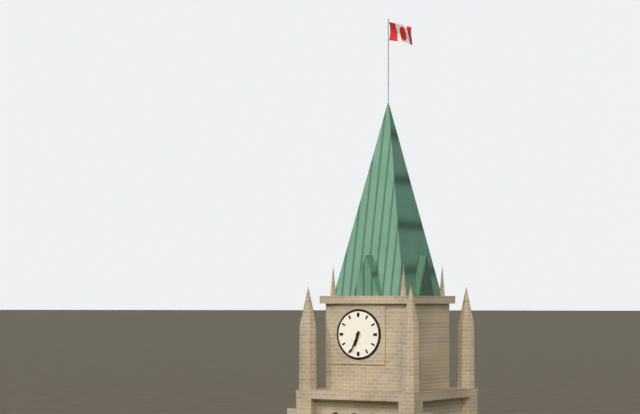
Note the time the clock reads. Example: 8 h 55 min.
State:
6 h 34 min
